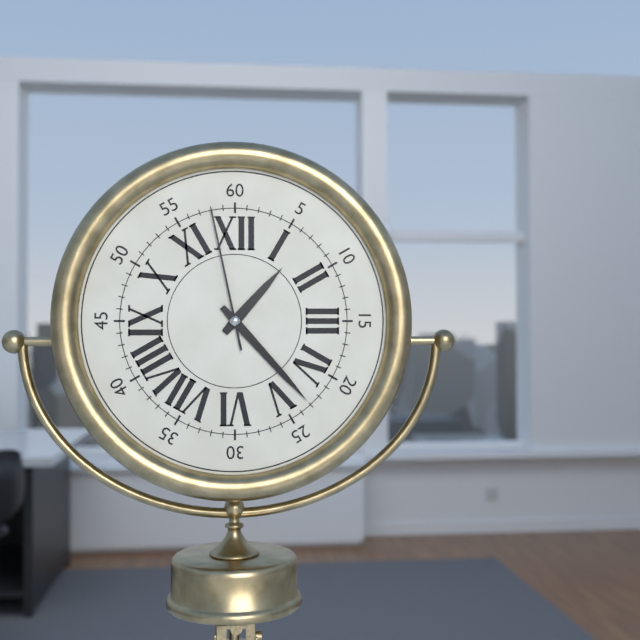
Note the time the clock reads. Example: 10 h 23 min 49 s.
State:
1 h 23 min 58 s
